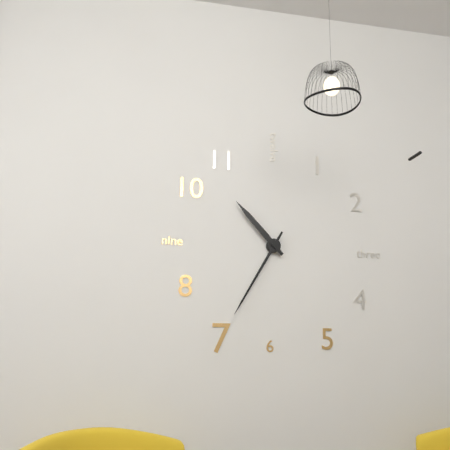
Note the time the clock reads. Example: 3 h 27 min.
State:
10 h 35 min
